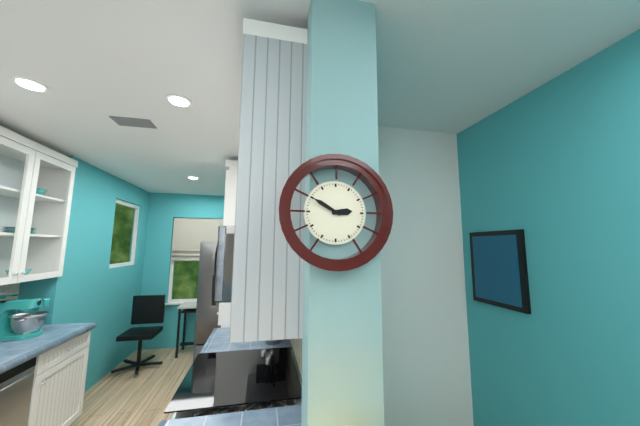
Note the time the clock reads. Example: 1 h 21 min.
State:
2 h 50 min
